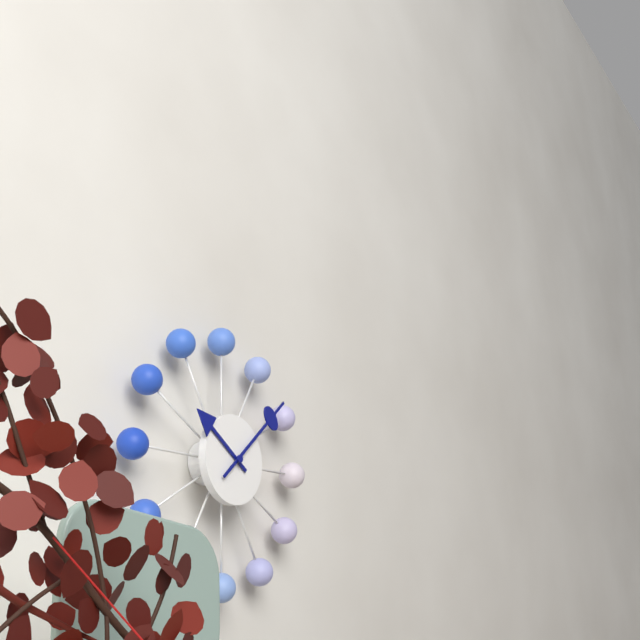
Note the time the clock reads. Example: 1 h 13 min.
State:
10 h 08 min
